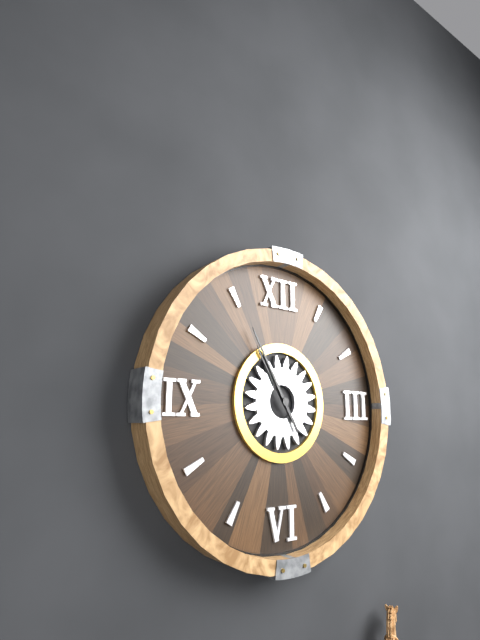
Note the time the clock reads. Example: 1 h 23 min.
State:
10 h 55 min
